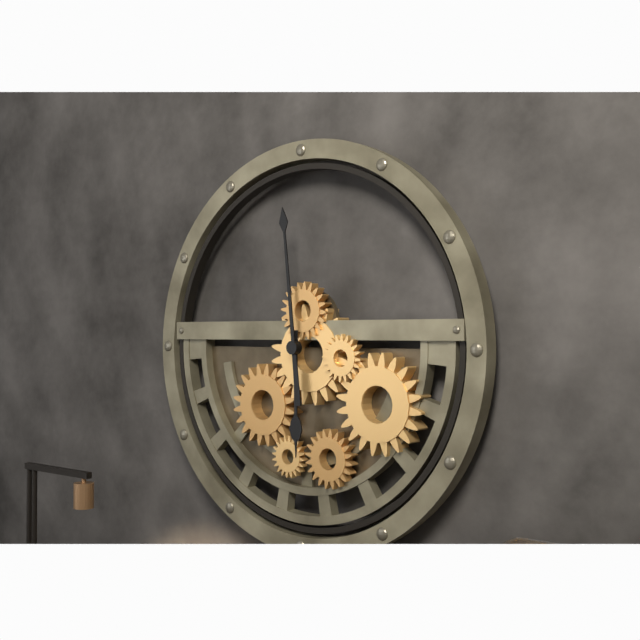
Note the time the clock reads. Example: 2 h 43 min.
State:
5 h 59 min
